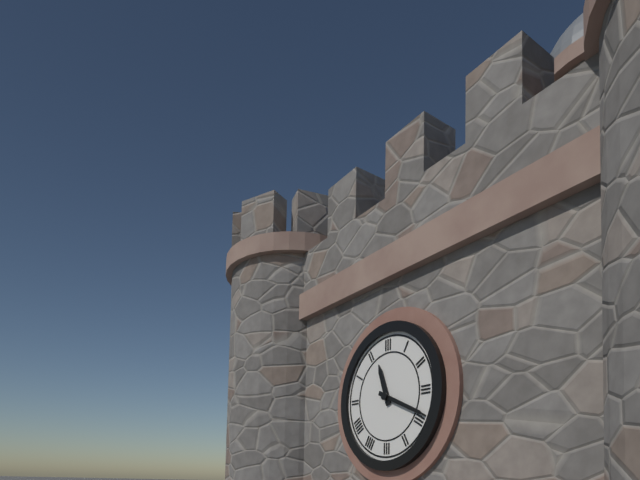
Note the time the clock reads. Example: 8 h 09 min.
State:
11 h 19 min
